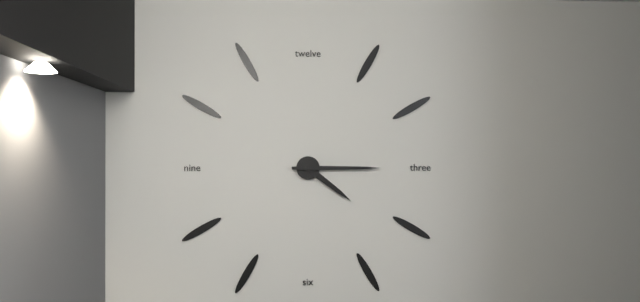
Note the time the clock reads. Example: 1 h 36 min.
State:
4 h 15 min
